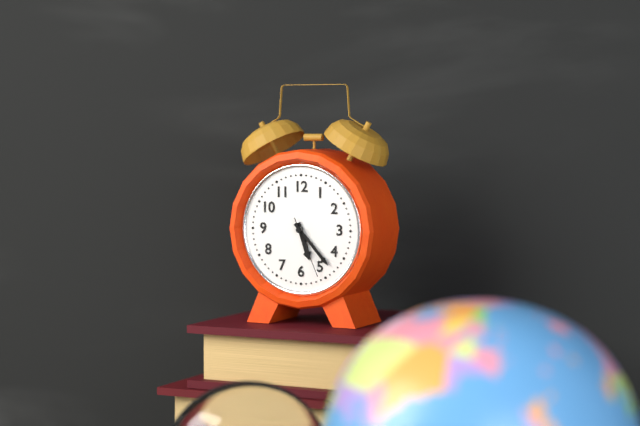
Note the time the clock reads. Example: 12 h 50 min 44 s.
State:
5 h 23 min 26 s
